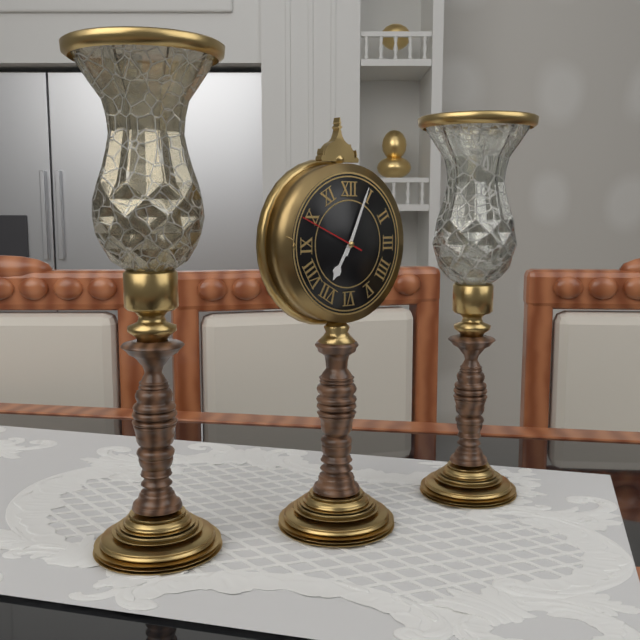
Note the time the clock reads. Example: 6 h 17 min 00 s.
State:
7 h 04 min 49 s
